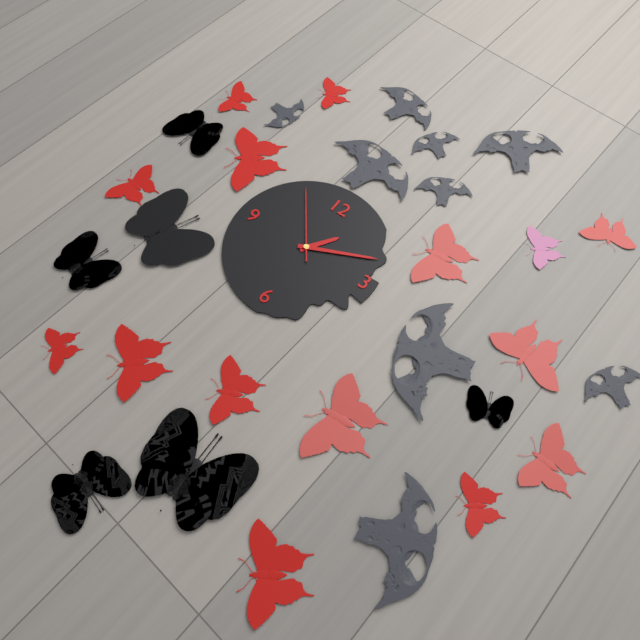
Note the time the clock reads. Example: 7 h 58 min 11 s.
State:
1 h 11 min 54 s
